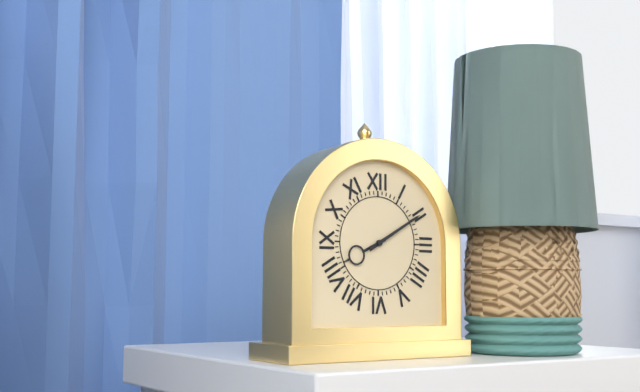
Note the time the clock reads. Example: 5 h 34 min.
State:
8 h 10 min
